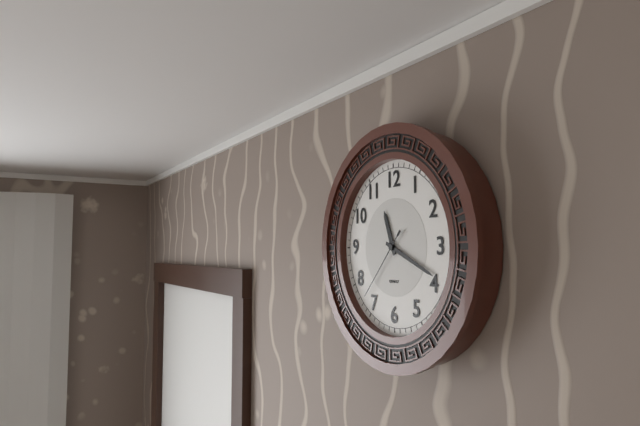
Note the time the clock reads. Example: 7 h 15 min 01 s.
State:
11 h 19 min 37 s
